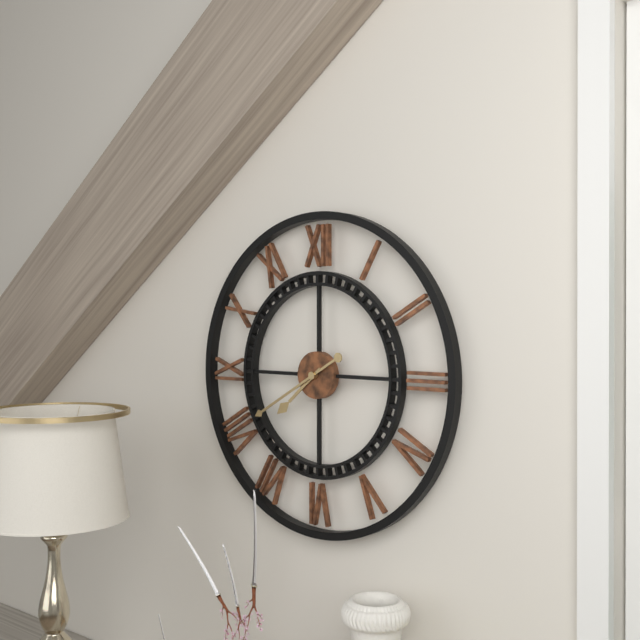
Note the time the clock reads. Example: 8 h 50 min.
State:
7 h 40 min
